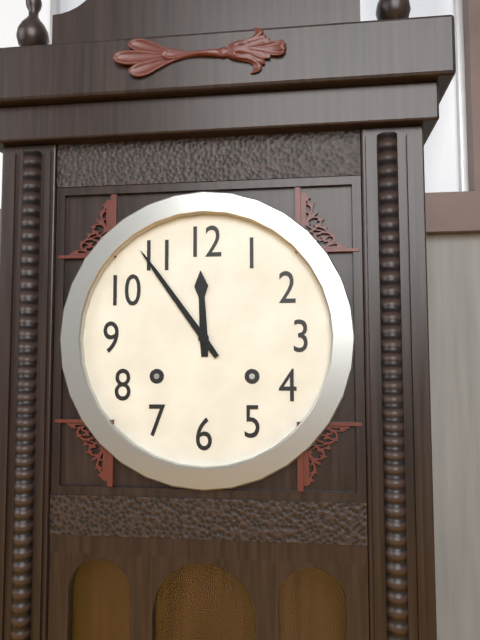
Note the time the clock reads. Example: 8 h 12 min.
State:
11 h 54 min
